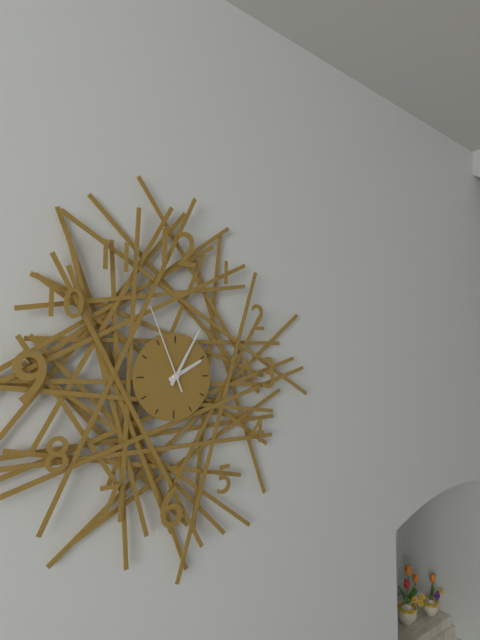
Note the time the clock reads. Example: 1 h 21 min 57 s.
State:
2 h 05 min 56 s
